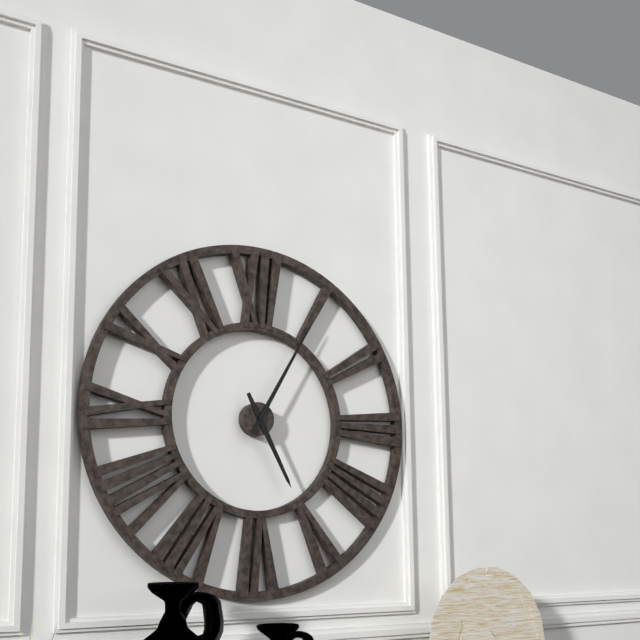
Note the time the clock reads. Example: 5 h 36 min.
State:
5 h 05 min
